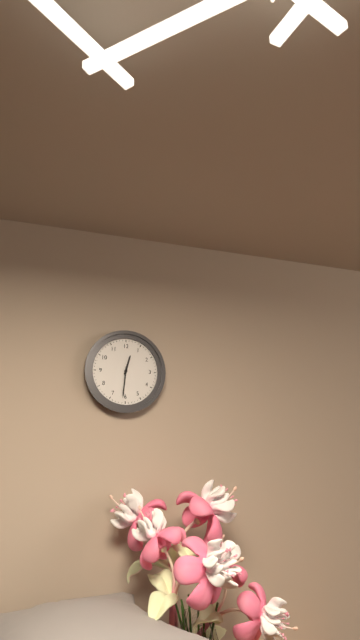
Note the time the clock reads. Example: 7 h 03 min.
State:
12 h 31 min
